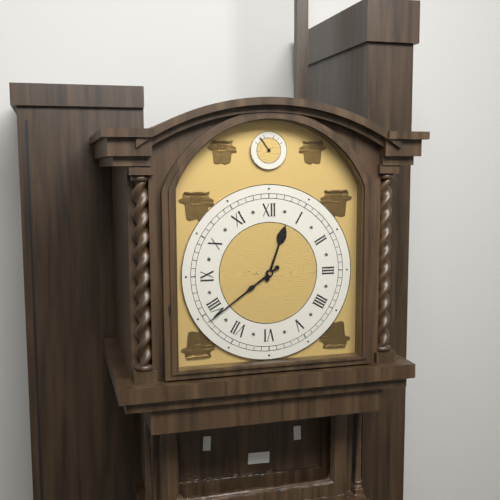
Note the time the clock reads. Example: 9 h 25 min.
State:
12 h 39 min
